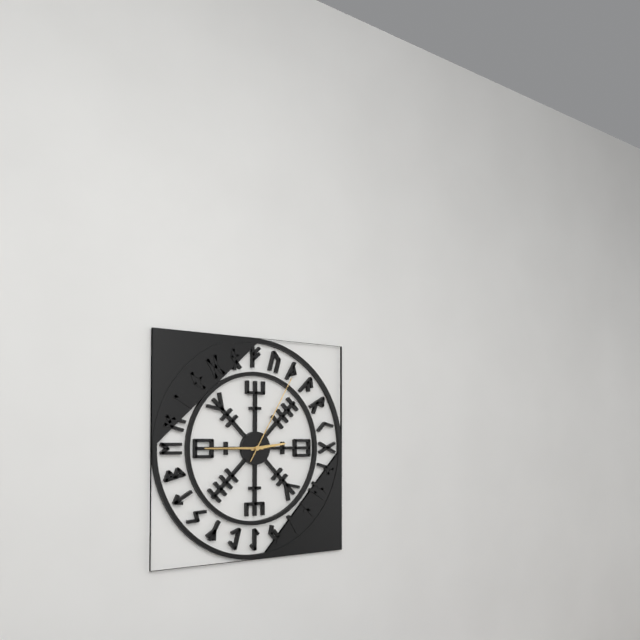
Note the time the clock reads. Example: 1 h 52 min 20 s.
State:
2 h 45 min 05 s
